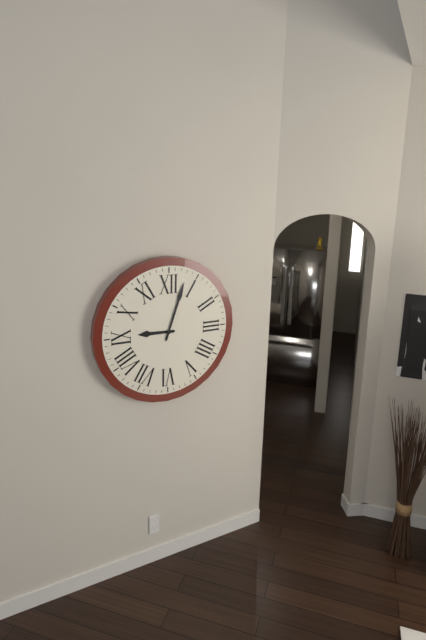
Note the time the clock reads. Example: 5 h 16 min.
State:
9 h 03 min
